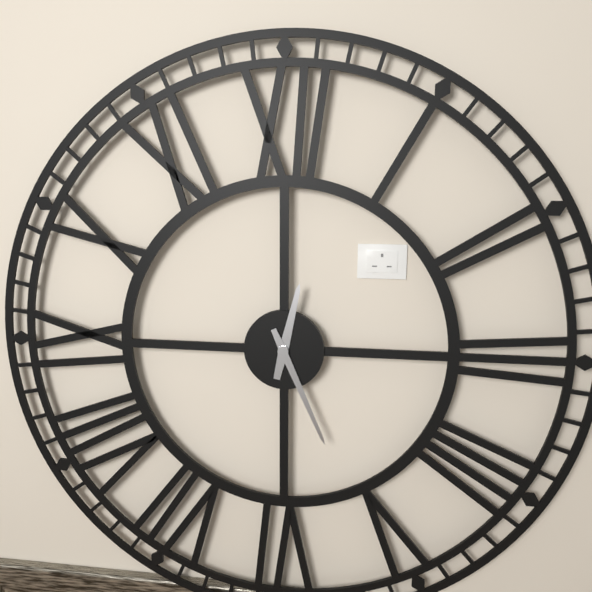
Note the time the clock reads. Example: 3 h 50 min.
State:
12 h 26 min
